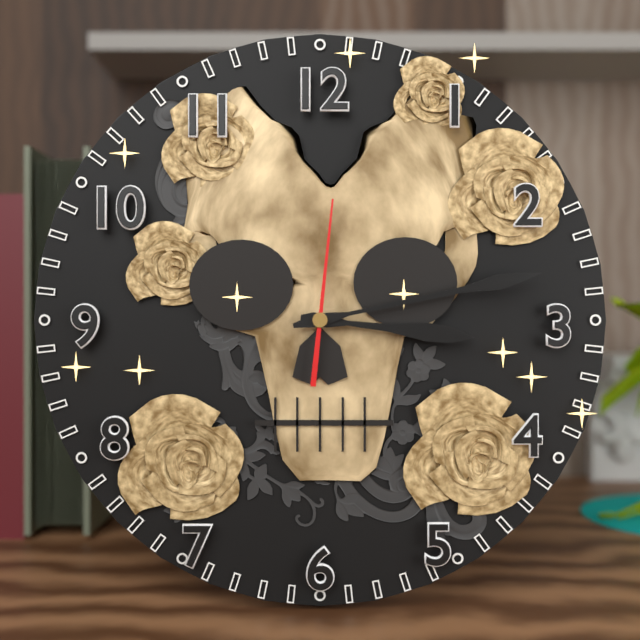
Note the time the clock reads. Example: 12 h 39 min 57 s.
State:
3 h 13 min 01 s
